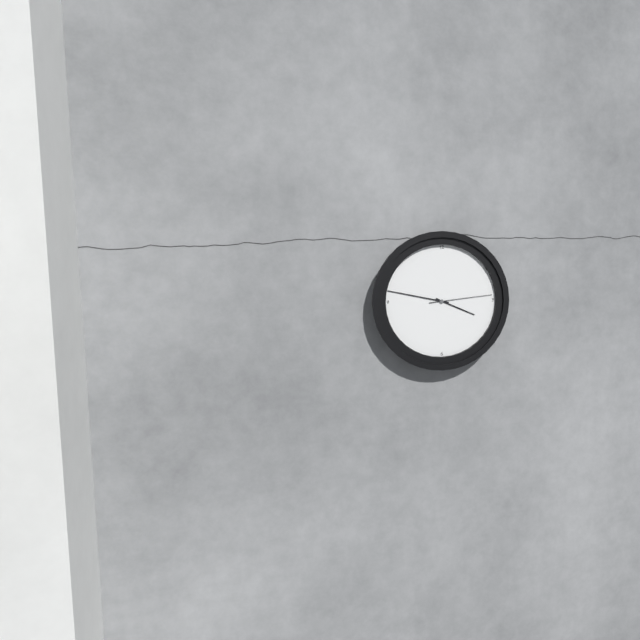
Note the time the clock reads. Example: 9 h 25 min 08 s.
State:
3 h 47 min 14 s
